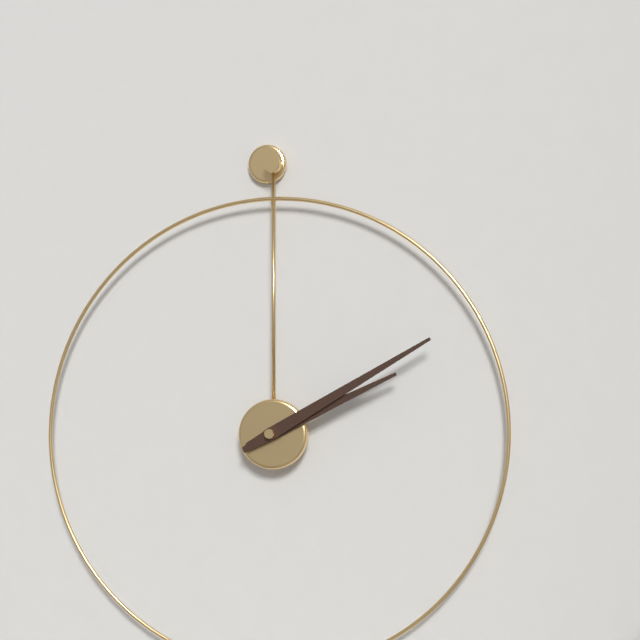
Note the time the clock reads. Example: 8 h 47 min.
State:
2 h 10 min
